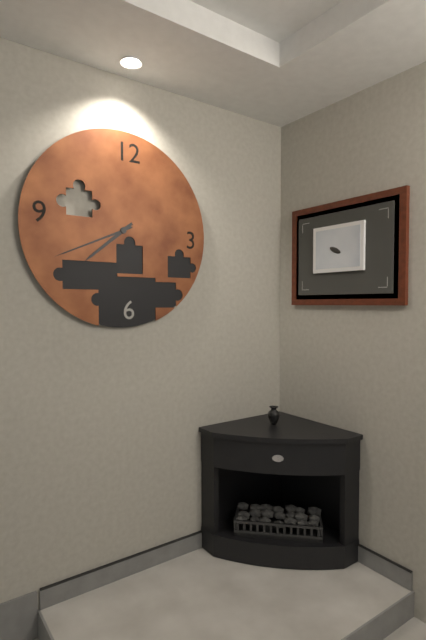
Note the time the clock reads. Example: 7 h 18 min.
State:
7 h 41 min
